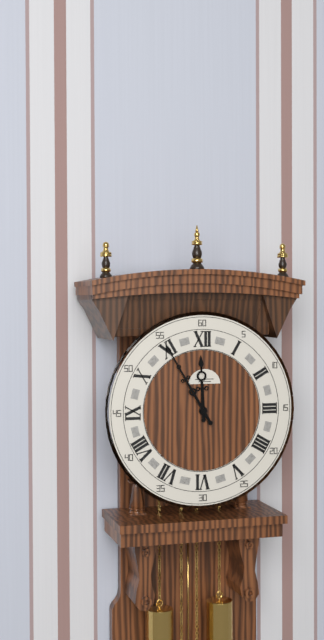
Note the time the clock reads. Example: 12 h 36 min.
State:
11 h 55 min
